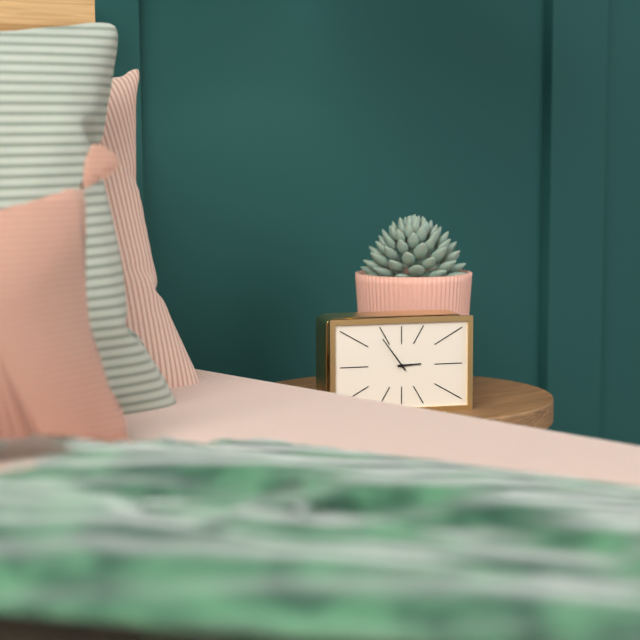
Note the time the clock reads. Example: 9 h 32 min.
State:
2 h 54 min
